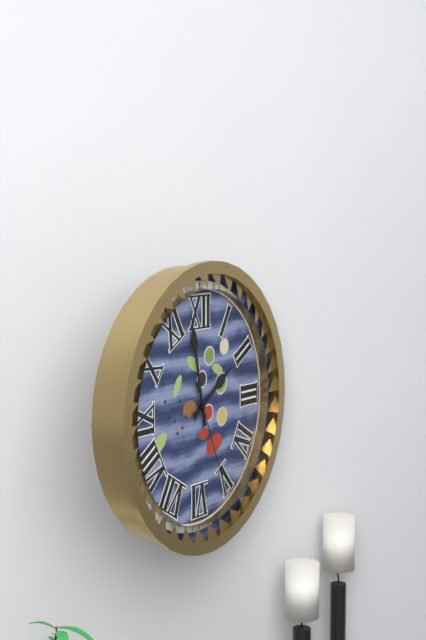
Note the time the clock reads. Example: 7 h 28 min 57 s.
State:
1 h 58 min 26 s
